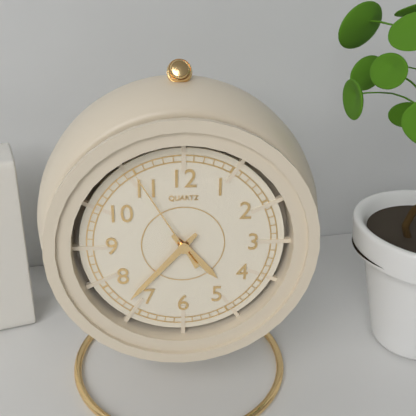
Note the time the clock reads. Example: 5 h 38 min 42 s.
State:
4 h 37 min 55 s
